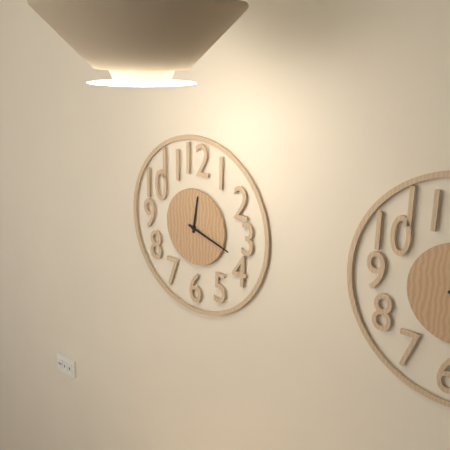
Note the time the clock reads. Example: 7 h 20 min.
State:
12 h 18 min
